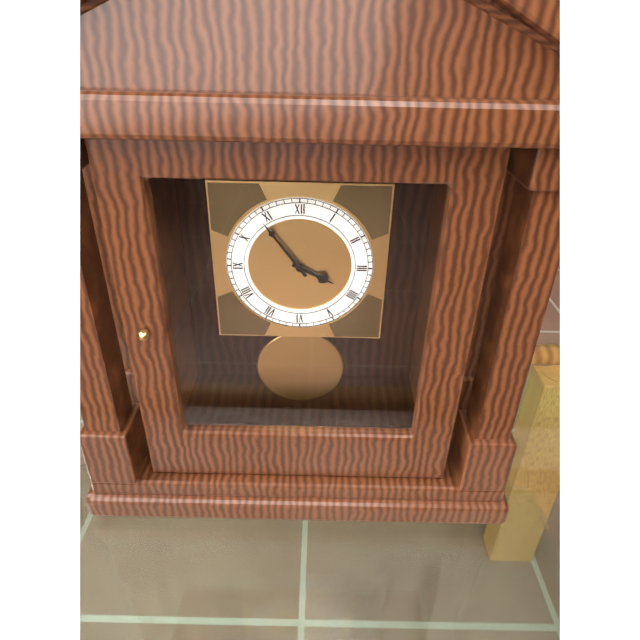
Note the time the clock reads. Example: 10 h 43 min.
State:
3 h 54 min
